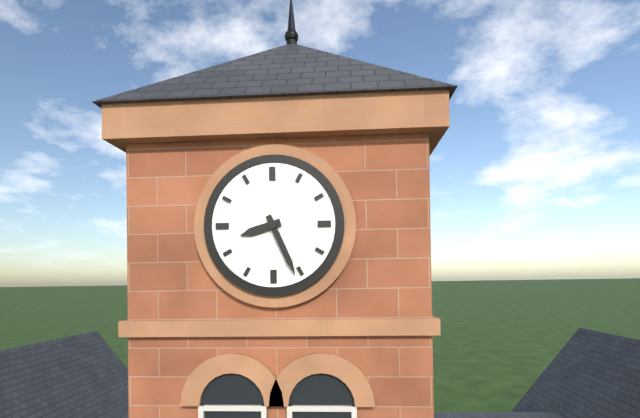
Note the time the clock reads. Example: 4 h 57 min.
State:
8 h 26 min
